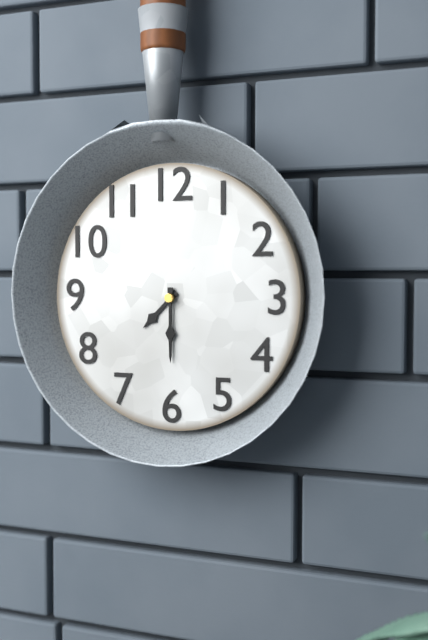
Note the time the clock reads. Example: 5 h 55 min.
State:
7 h 30 min
